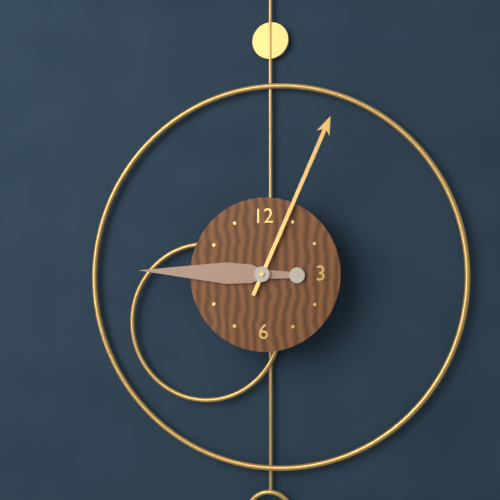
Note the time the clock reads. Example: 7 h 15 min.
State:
9 h 04 min
